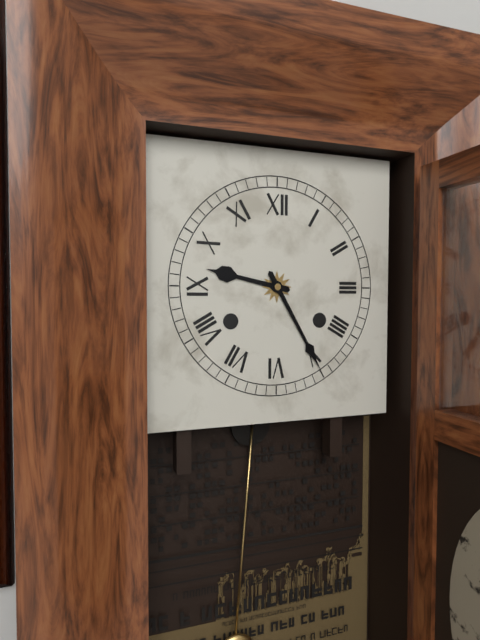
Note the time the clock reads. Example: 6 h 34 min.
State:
9 h 25 min
